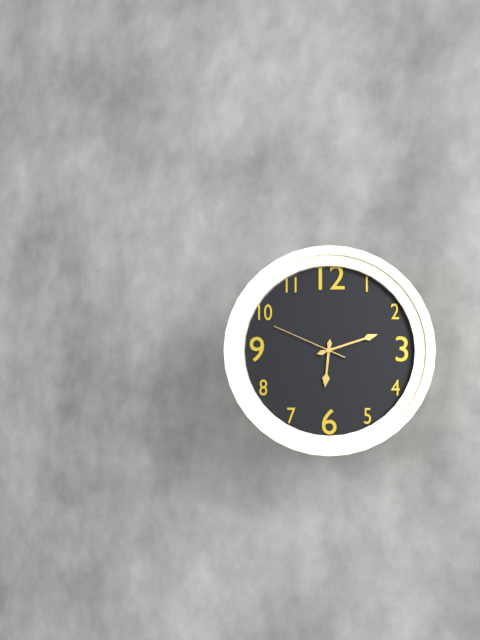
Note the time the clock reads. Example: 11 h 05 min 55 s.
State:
6 h 12 min 49 s
